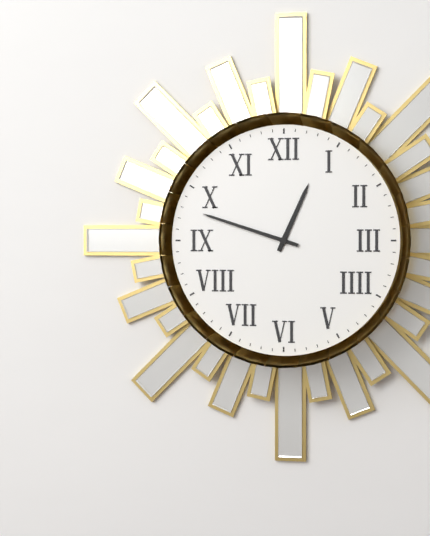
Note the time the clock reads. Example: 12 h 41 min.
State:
12 h 48 min
